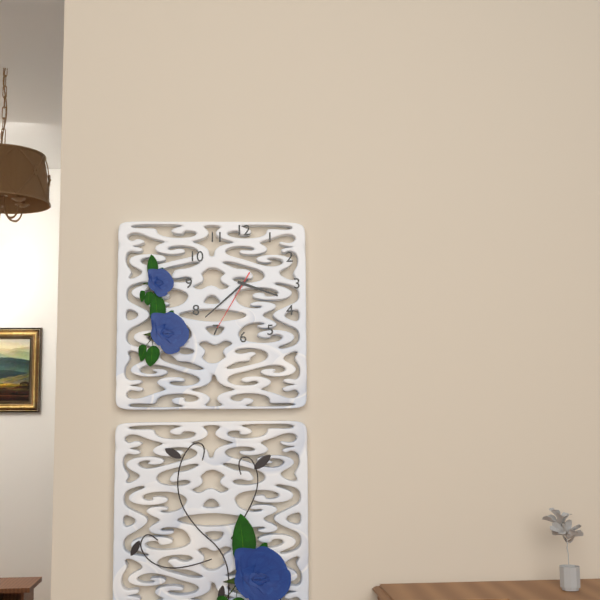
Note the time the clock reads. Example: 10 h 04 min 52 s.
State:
3 h 38 min 35 s
